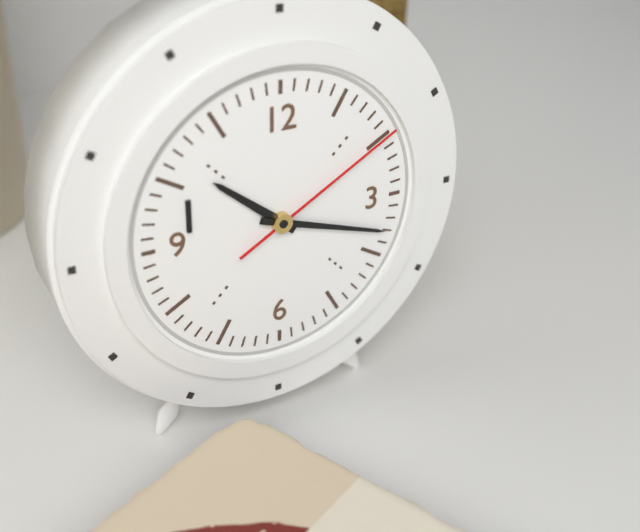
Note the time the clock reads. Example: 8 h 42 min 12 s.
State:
10 h 18 min 10 s
